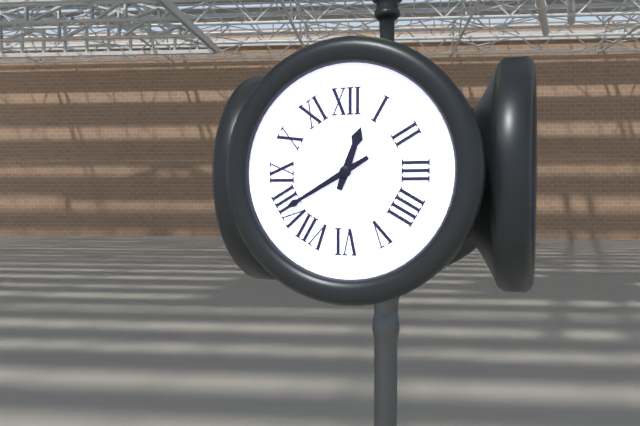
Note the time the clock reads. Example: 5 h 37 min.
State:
12 h 40 min
